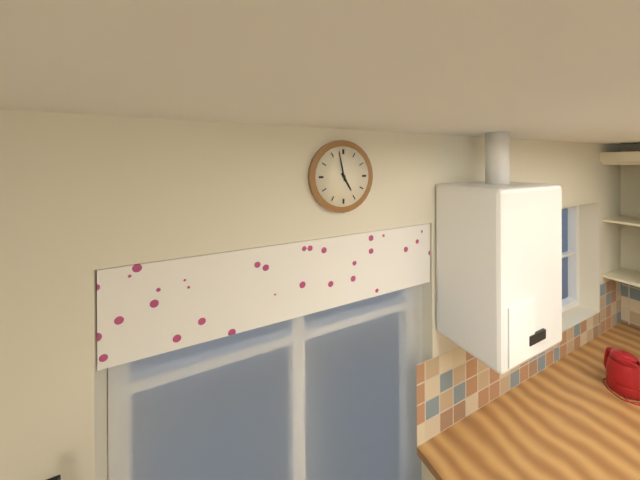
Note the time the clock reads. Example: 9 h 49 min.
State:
4 h 58 min
